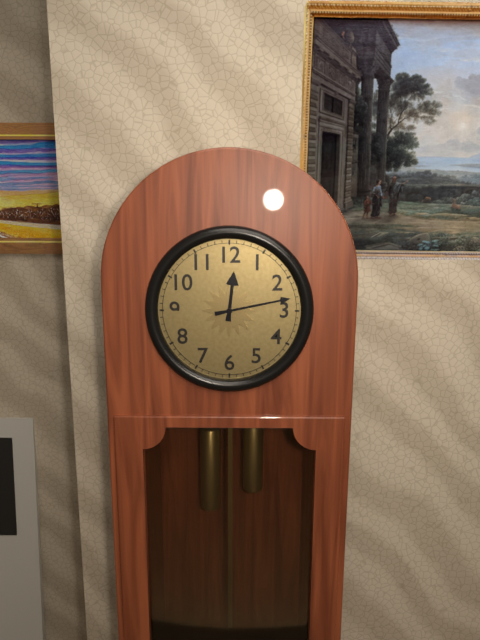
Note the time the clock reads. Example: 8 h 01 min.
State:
12 h 13 min
